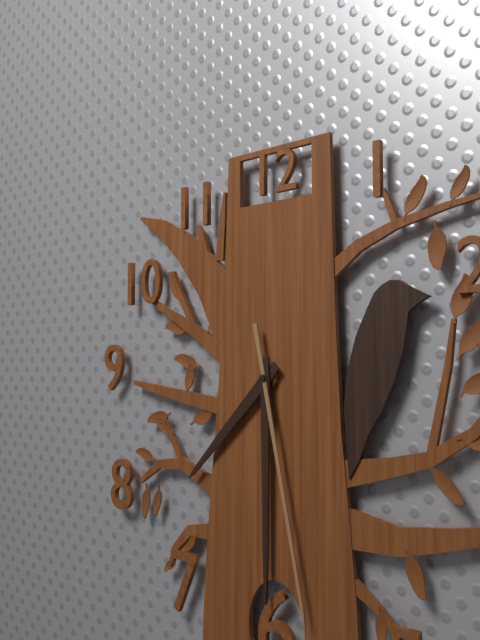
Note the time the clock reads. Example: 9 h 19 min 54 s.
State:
7 h 30 min 28 s
